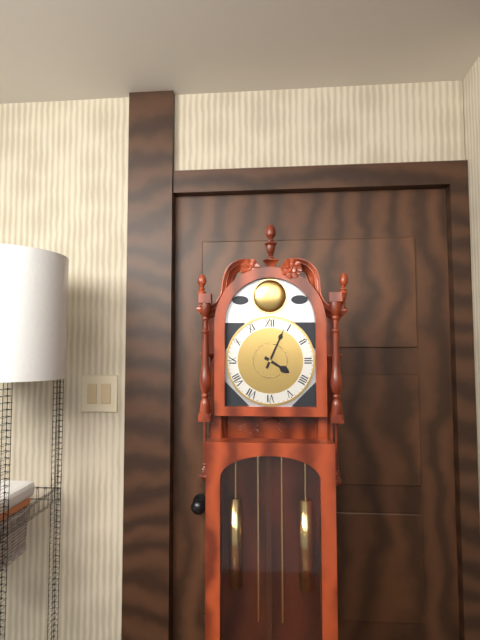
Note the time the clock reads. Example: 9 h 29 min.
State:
4 h 04 min
